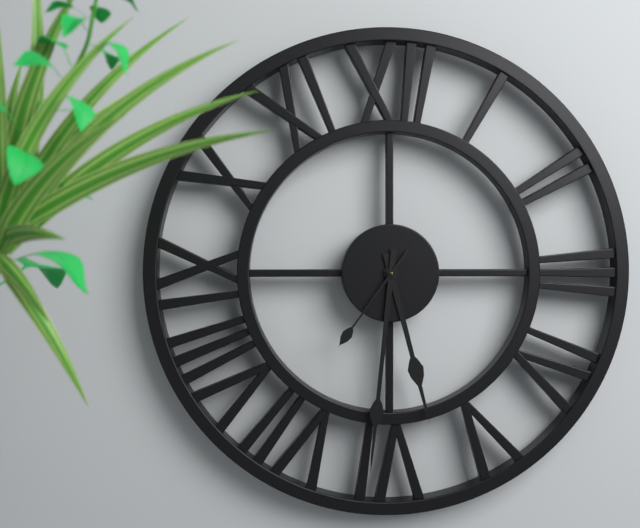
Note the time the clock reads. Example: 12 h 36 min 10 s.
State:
5 h 31 min 36 s
